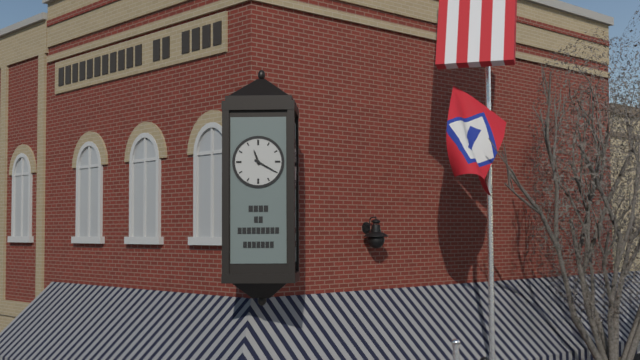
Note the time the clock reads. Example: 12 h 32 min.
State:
11 h 20 min
